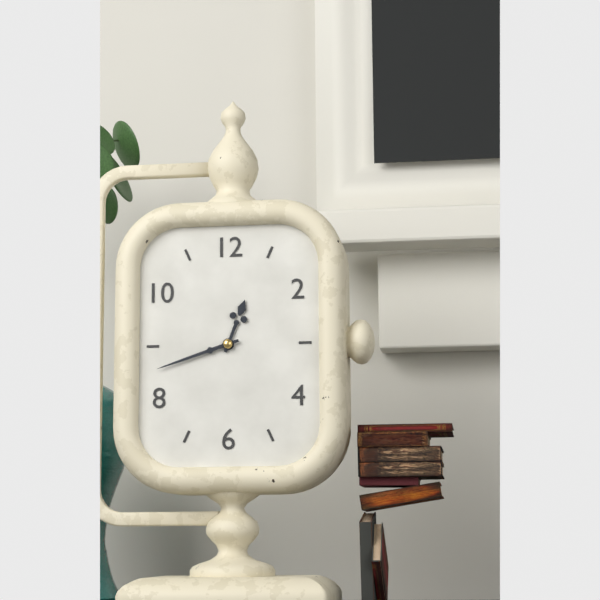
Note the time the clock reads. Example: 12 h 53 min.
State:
12 h 42 min
